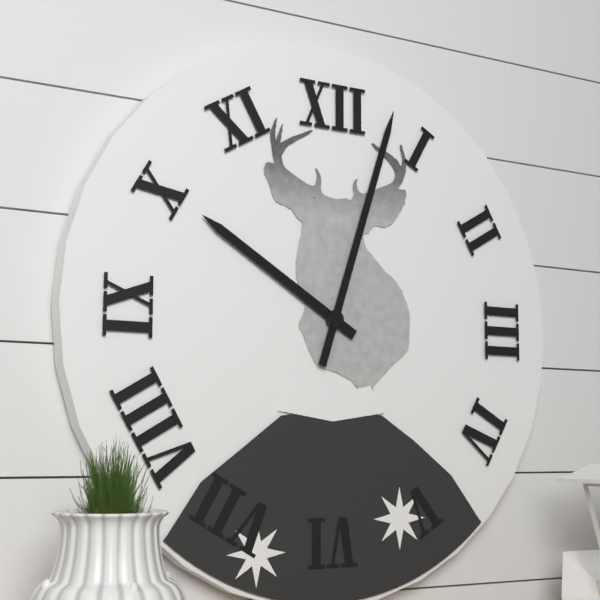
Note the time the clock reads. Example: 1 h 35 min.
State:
10 h 03 min
